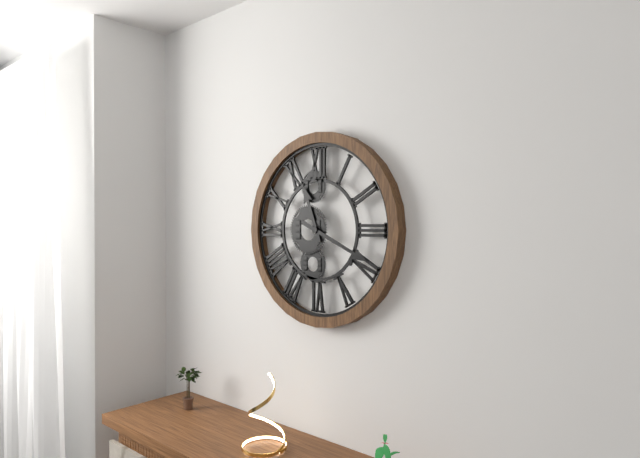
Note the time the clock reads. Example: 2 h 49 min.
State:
11 h 19 min
